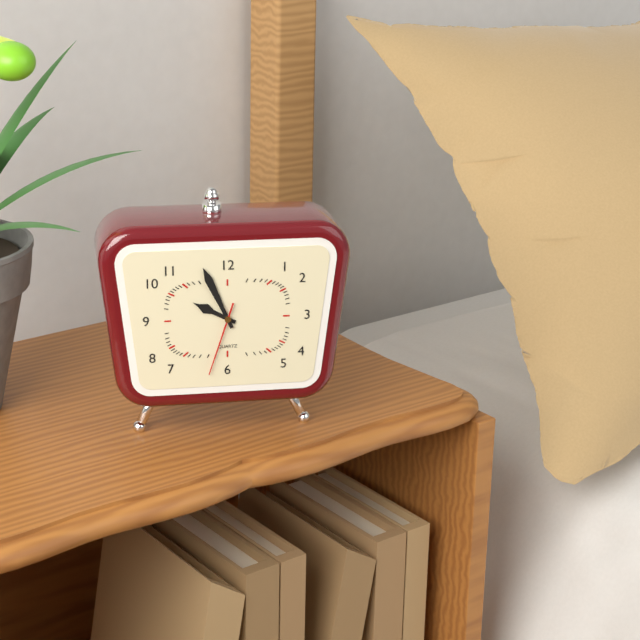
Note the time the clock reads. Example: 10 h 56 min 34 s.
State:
9 h 56 min 33 s
